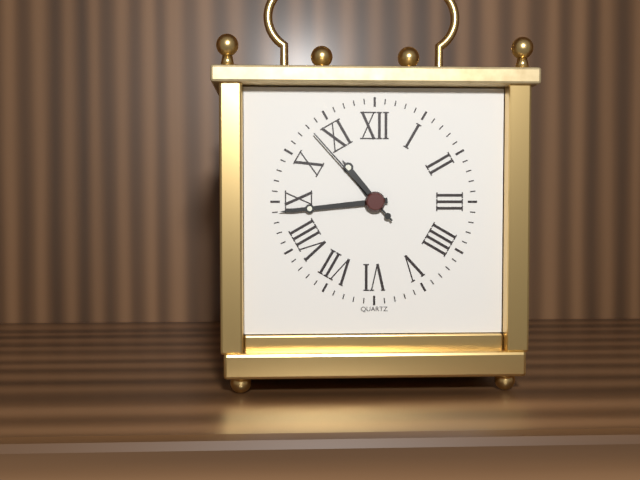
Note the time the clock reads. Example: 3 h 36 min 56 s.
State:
10 h 44 min 53 s
